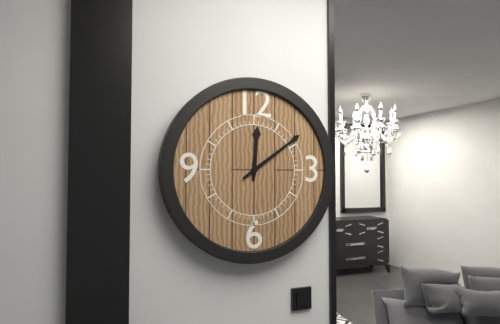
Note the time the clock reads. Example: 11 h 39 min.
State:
12 h 09 min
